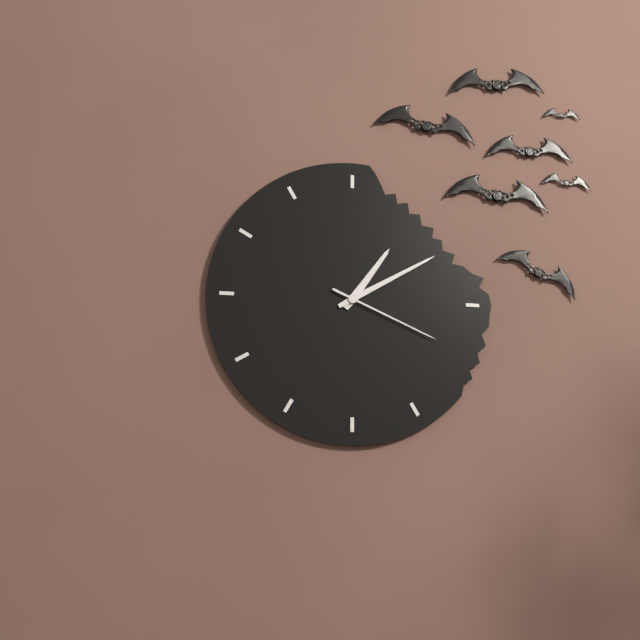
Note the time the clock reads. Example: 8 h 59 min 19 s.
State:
1 h 10 min 19 s
